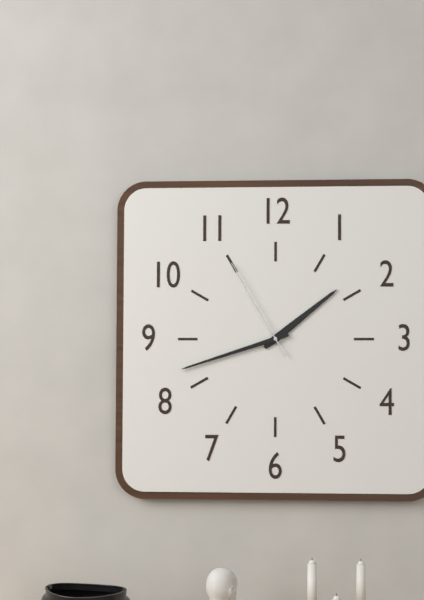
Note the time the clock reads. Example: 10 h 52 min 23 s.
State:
1 h 42 min 55 s
